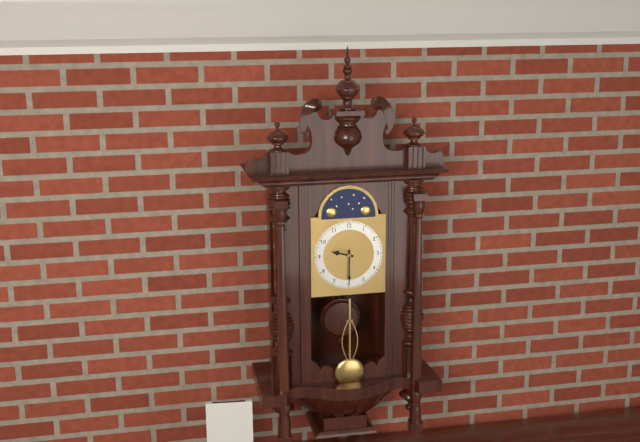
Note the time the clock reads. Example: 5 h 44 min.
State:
9 h 30 min
